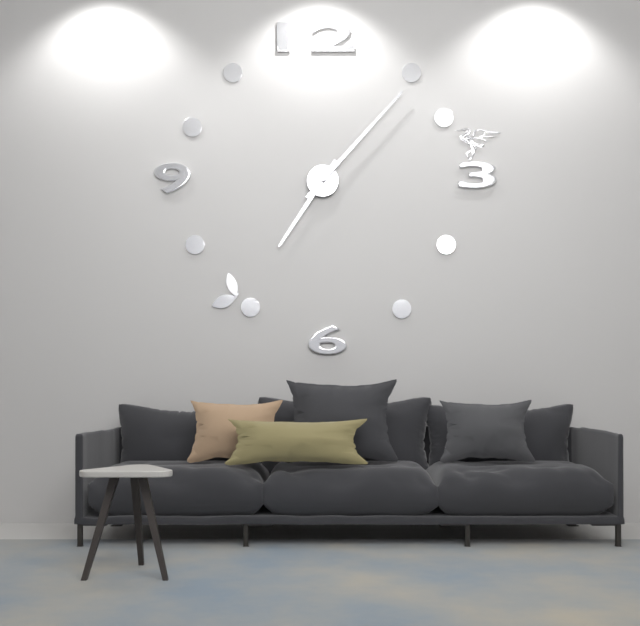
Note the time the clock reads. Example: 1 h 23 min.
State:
7 h 07 min
